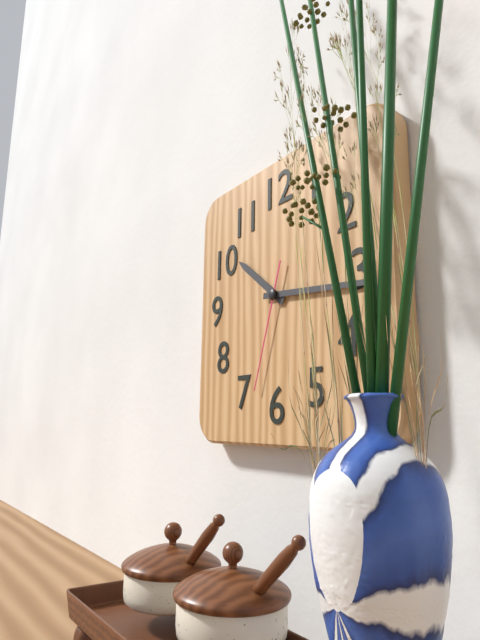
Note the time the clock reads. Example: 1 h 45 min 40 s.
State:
10 h 16 min 33 s
